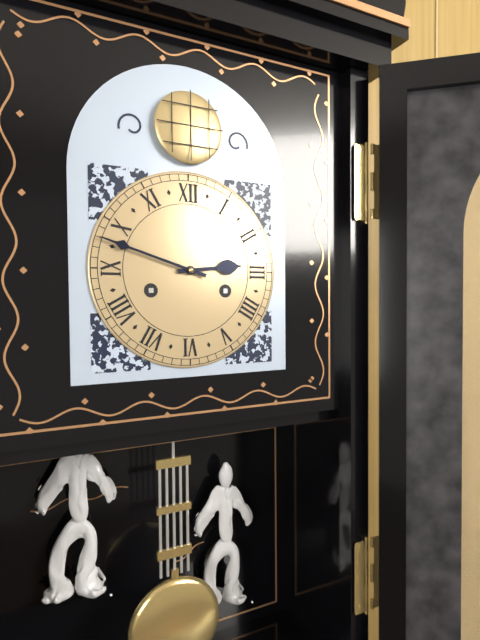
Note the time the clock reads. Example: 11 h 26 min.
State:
2 h 48 min
